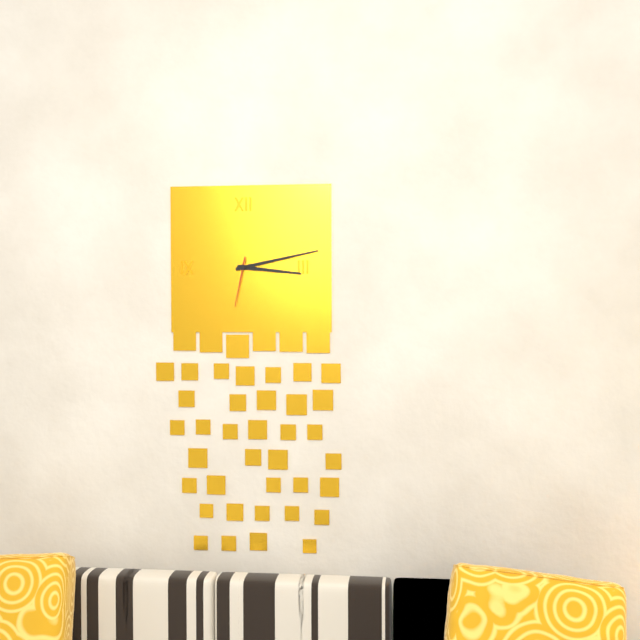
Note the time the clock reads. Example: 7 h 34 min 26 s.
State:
3 h 13 min 32 s
